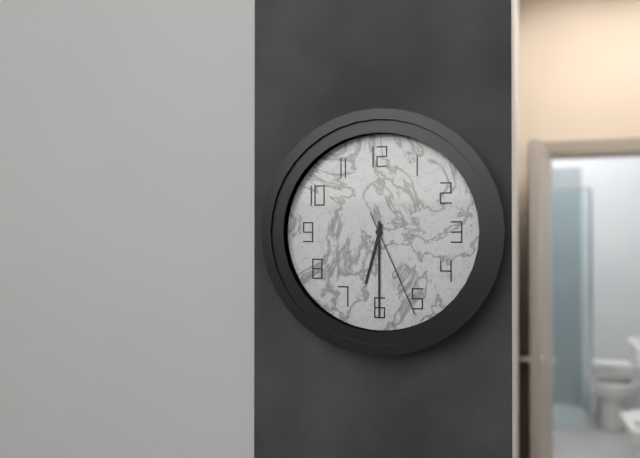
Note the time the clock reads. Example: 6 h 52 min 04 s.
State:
6 h 30 min 26 s
